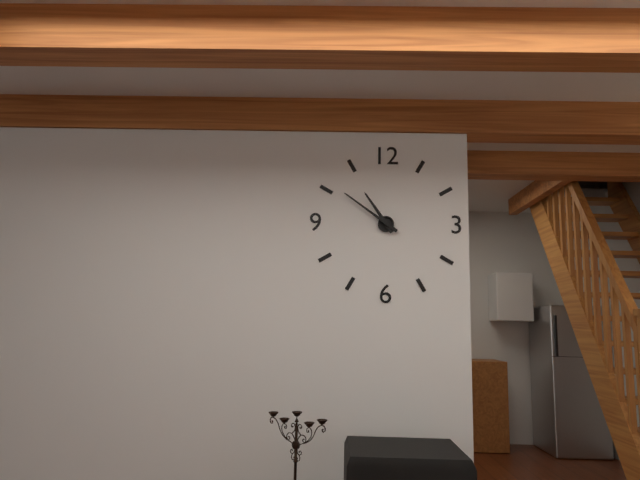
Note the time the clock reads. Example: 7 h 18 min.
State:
10 h 51 min
